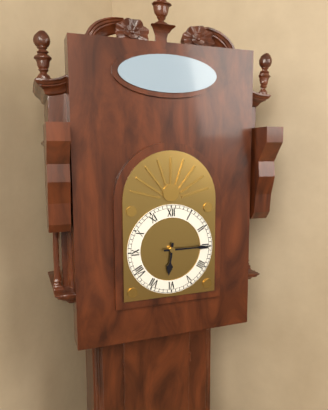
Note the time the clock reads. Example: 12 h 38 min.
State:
6 h 15 min
